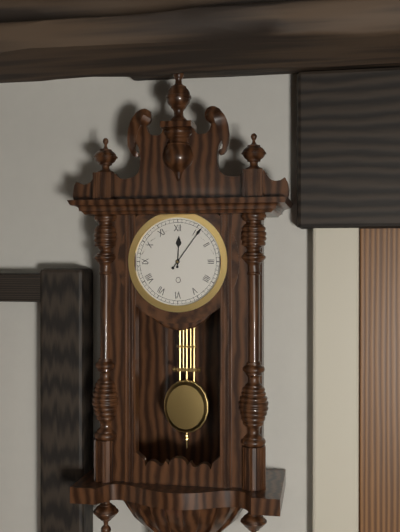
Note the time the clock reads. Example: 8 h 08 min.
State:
12 h 06 min
